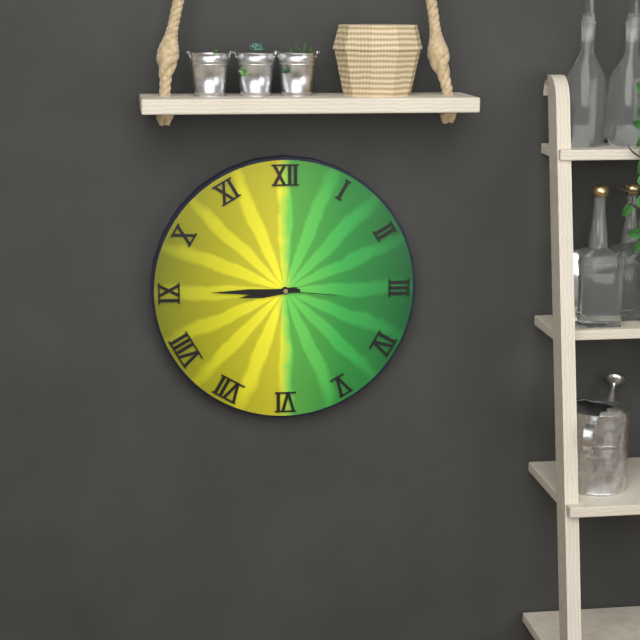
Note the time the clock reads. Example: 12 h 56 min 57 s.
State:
8 h 45 min 16 s
